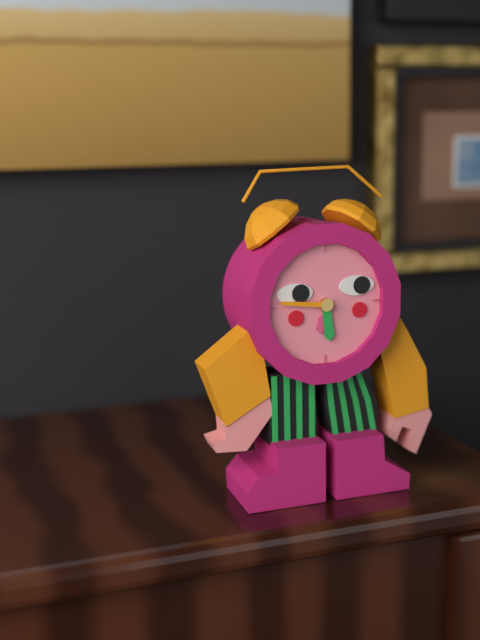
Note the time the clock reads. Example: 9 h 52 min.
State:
5 h 46 min
